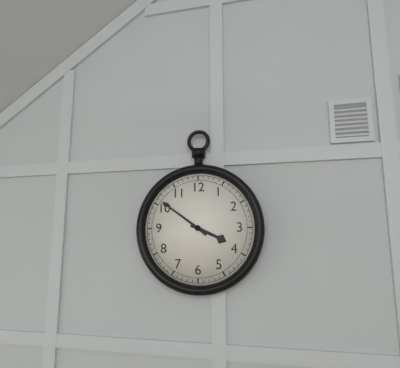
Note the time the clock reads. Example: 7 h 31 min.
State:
3 h 51 min
